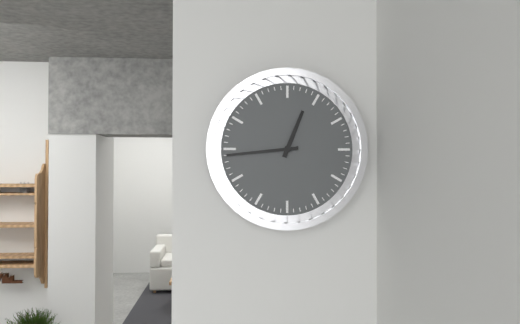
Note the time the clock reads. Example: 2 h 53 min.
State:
12 h 44 min
